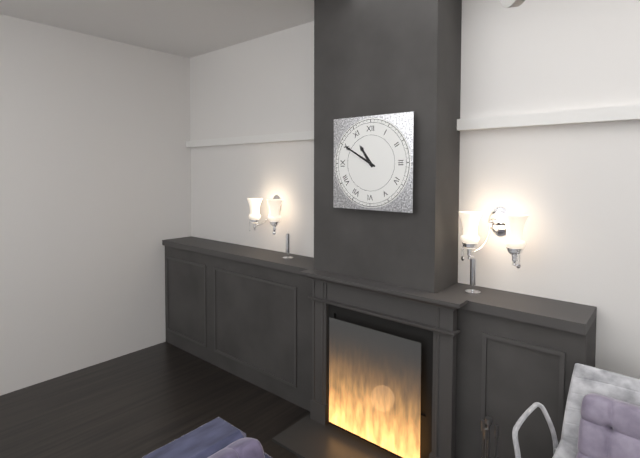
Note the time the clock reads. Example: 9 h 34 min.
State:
10 h 50 min
